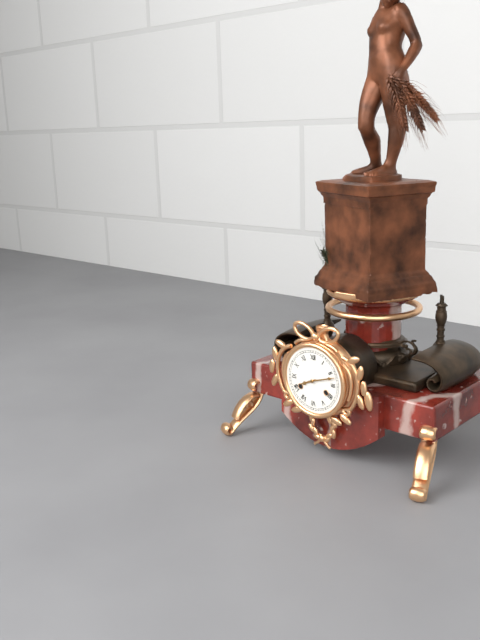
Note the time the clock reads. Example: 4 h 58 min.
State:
8 h 12 min
